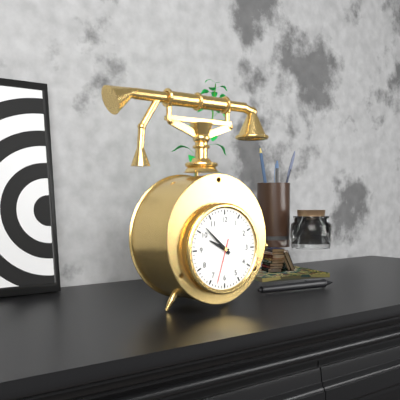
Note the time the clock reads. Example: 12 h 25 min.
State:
9 h 52 min
